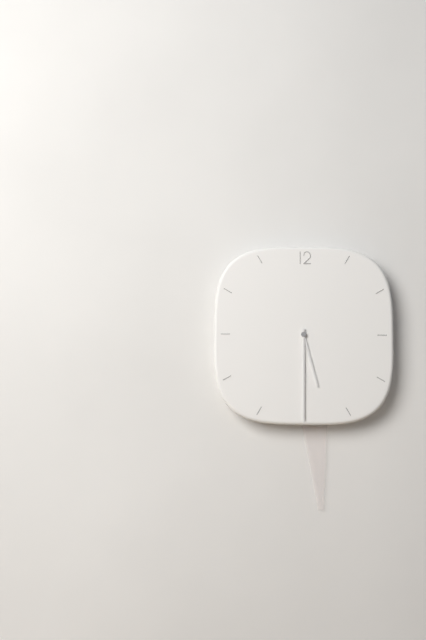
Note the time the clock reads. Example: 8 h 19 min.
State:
5 h 30 min
